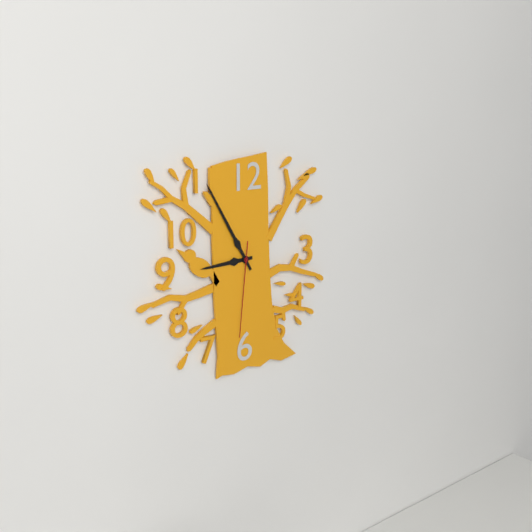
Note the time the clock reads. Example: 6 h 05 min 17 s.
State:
8 h 55 min 31 s
